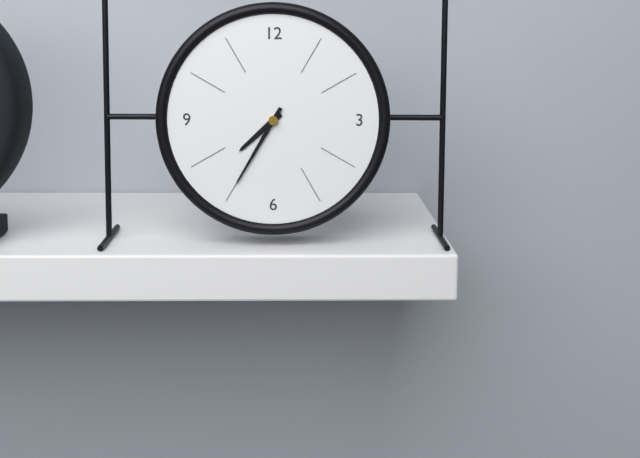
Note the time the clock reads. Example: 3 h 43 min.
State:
7 h 35 min
